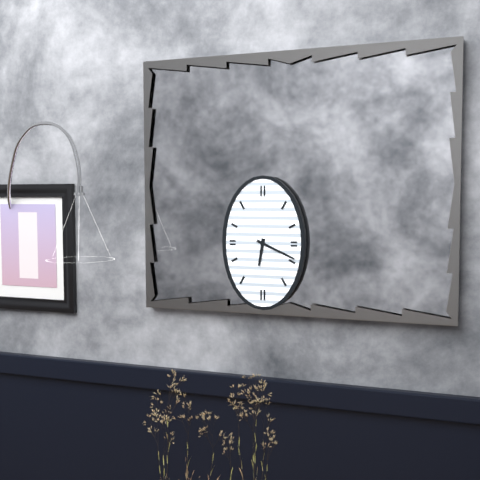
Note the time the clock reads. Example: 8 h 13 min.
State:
6 h 19 min
